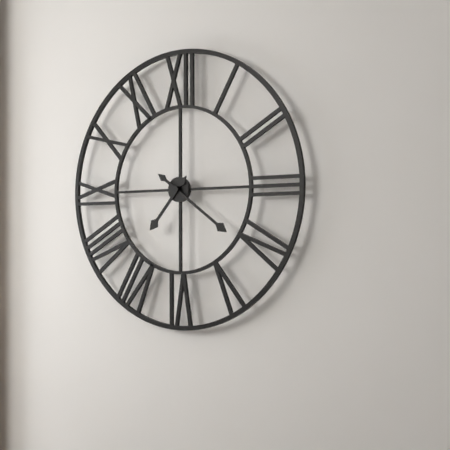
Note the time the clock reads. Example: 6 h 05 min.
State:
7 h 21 min
